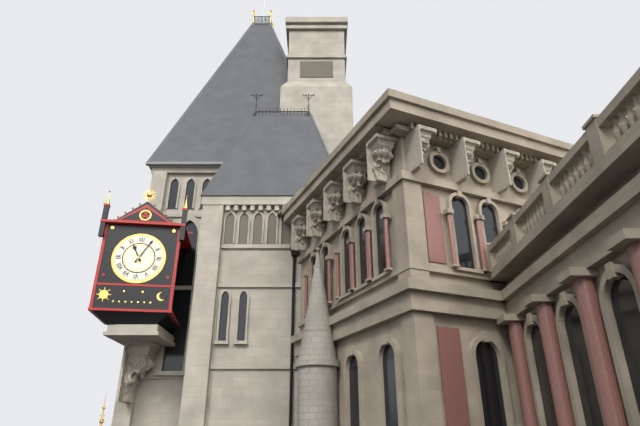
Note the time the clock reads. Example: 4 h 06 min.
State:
11 h 05 min
